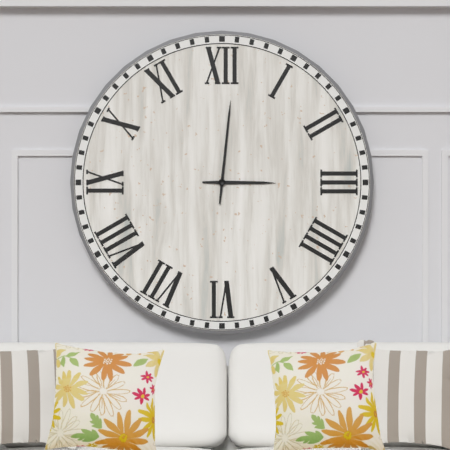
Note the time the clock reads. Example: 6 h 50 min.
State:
3 h 01 min
